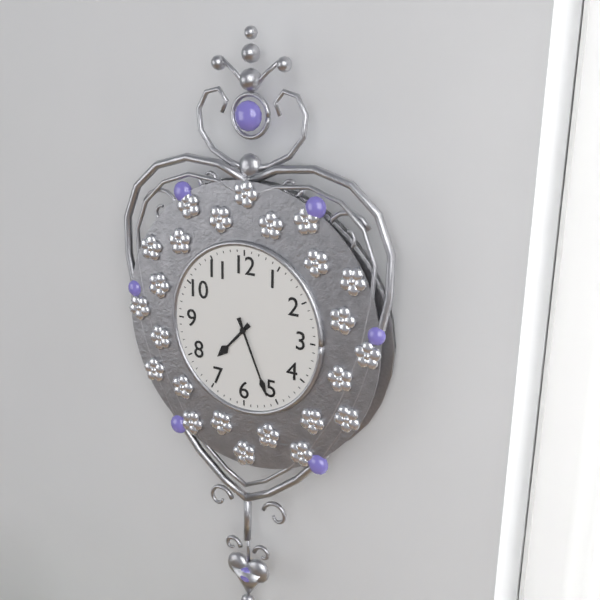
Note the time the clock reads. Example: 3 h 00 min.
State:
7 h 26 min
